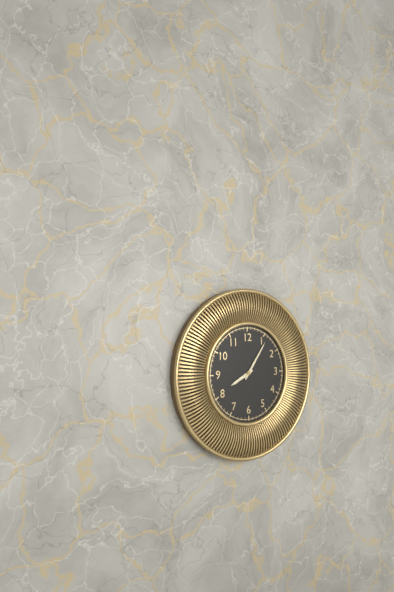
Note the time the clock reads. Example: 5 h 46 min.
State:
8 h 06 min
